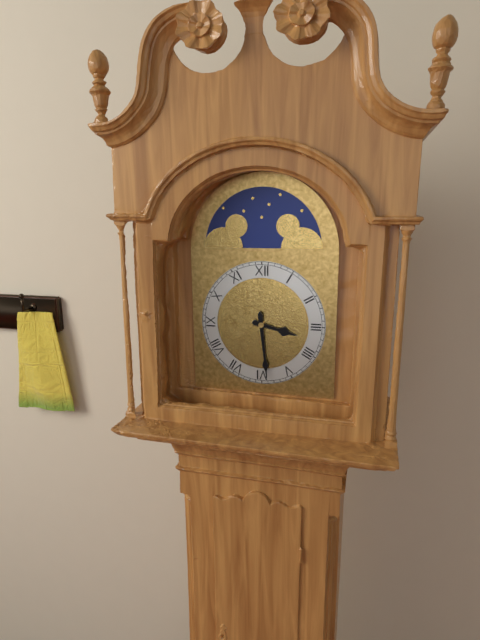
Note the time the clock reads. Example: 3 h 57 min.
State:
3 h 29 min
